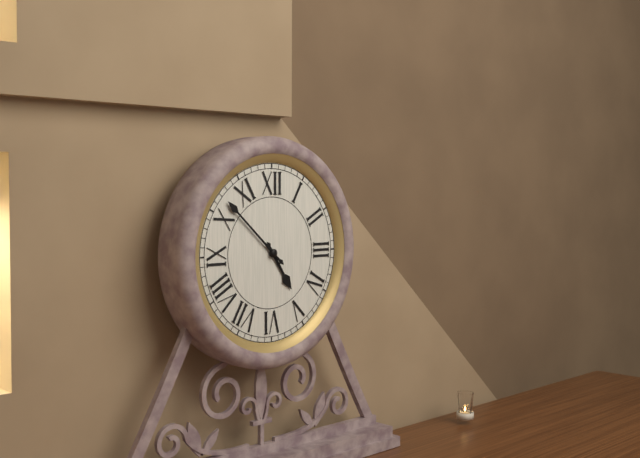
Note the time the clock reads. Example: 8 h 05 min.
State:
4 h 52 min
